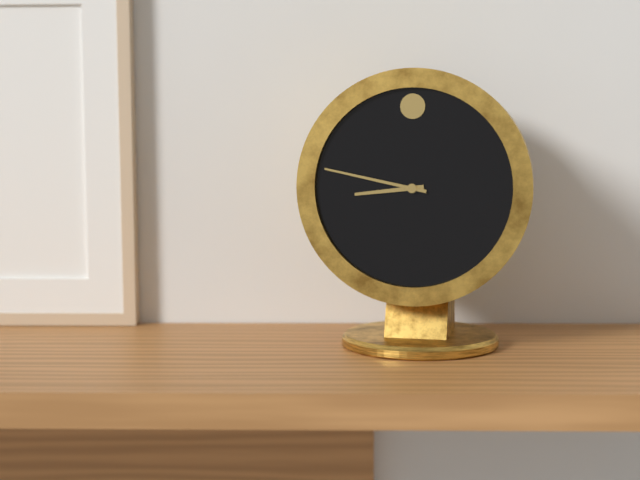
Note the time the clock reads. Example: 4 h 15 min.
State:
8 h 47 min
